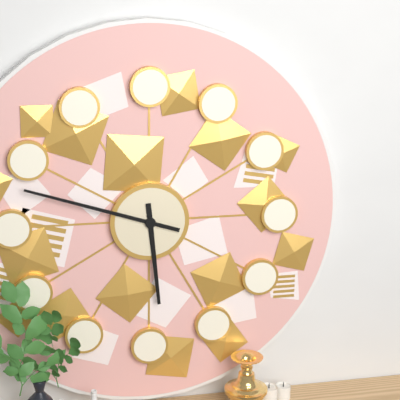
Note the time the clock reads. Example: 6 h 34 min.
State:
5 h 48 min
